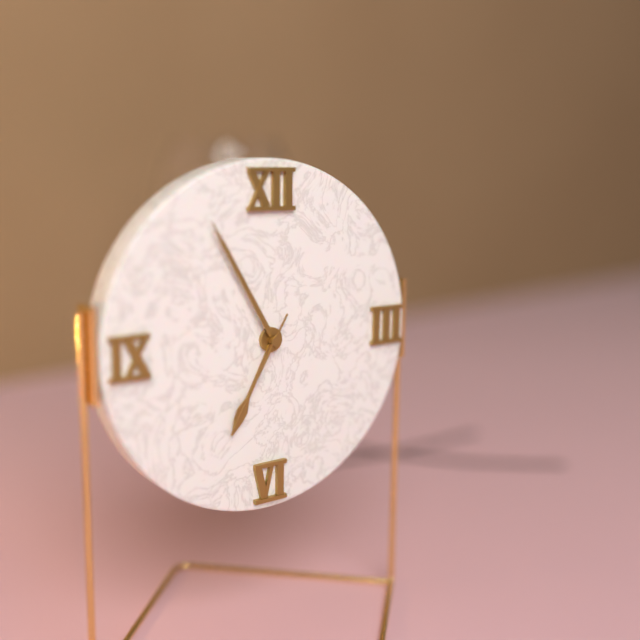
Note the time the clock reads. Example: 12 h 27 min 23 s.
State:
6 h 55 min 35 s
